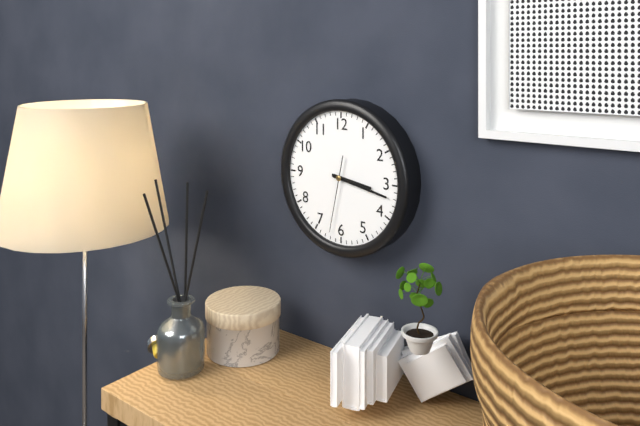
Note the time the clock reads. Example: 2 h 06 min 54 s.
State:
3 h 17 min 32 s
